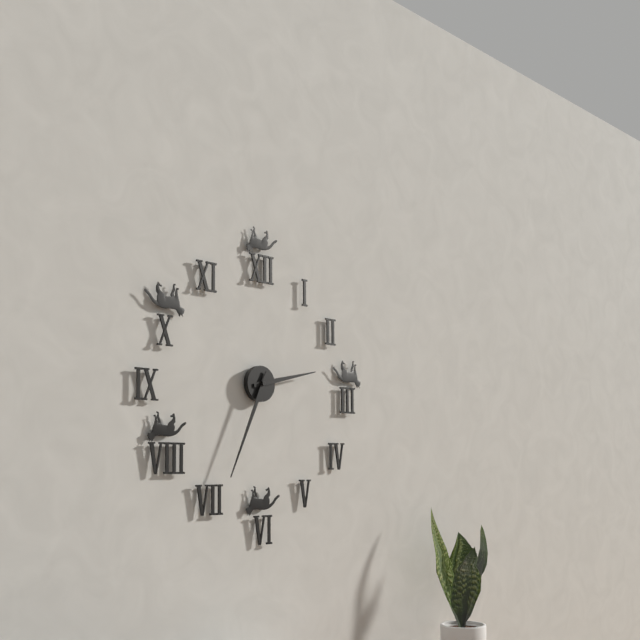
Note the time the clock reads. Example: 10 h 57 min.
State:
2 h 34 min
